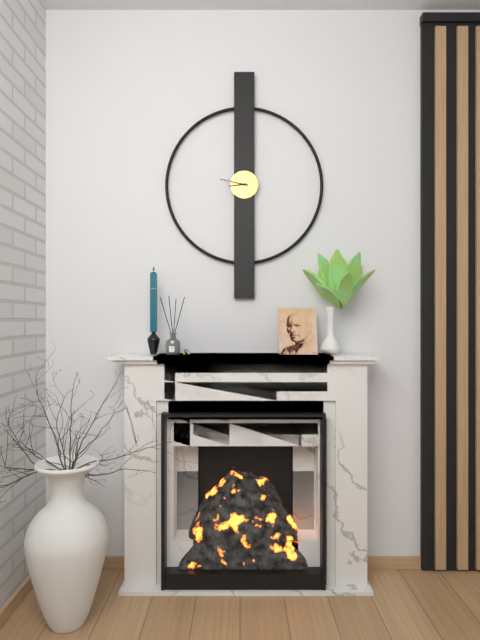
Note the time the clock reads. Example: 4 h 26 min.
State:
8 h 47 min
